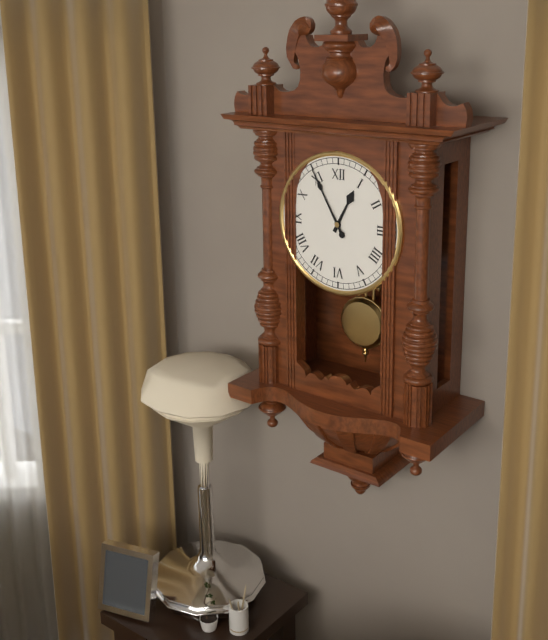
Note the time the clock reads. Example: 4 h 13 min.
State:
12 h 55 min
